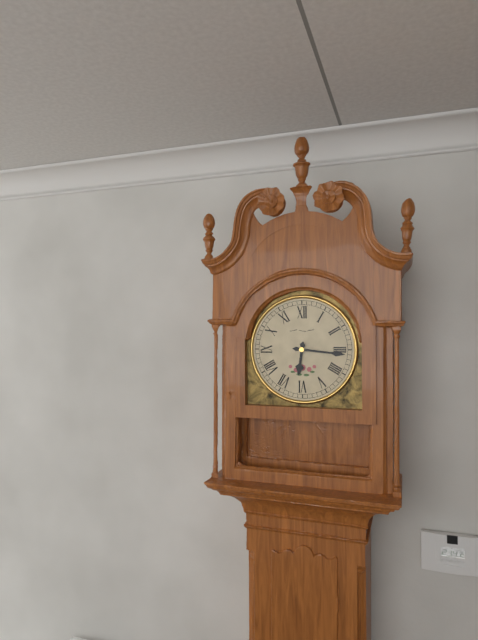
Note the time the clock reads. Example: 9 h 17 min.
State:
6 h 16 min
